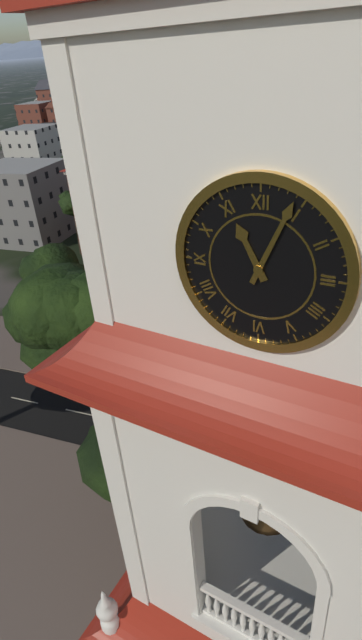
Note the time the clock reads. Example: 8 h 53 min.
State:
11 h 04 min
